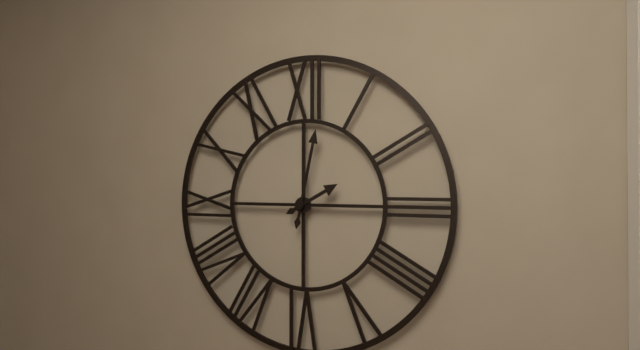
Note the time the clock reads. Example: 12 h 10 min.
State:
2 h 02 min
